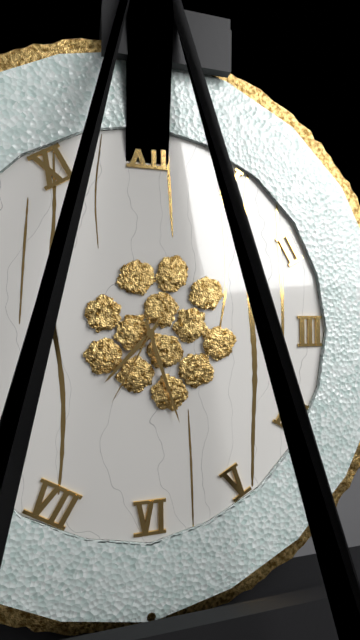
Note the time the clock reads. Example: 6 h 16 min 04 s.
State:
7 h 27 min 35 s
